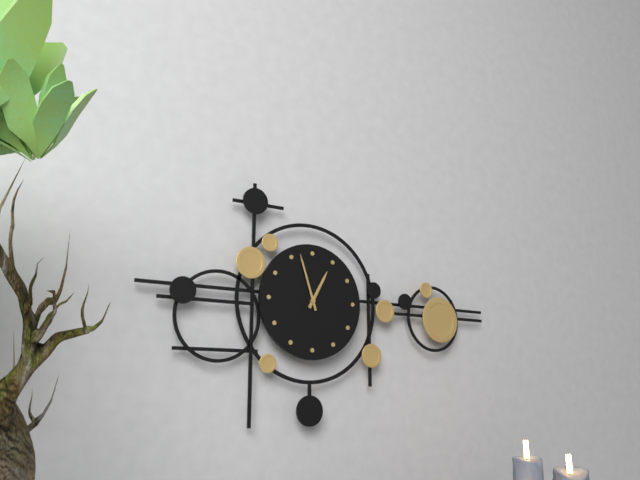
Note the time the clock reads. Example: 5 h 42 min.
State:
12 h 57 min
